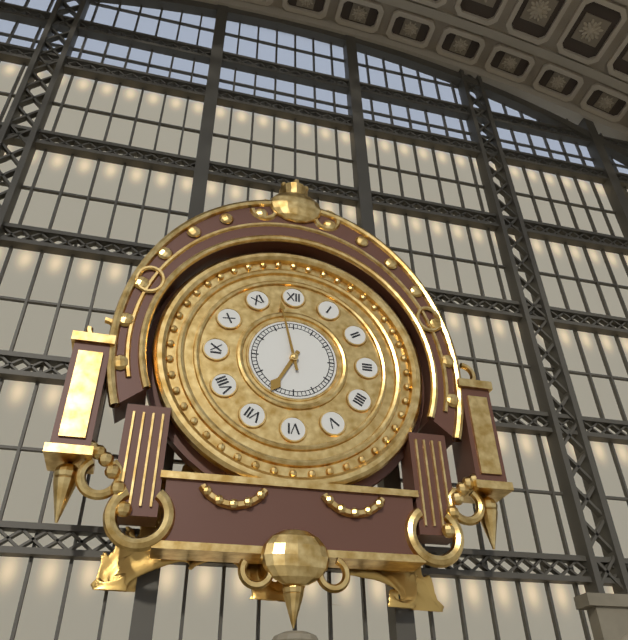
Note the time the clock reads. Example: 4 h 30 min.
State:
6 h 58 min
